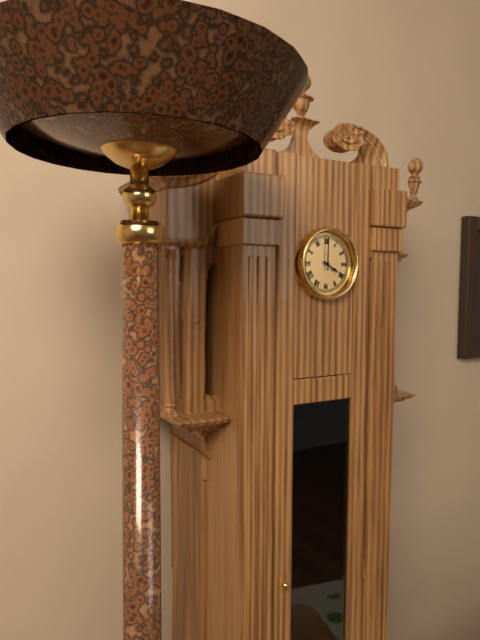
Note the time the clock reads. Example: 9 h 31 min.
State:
4 h 00 min
